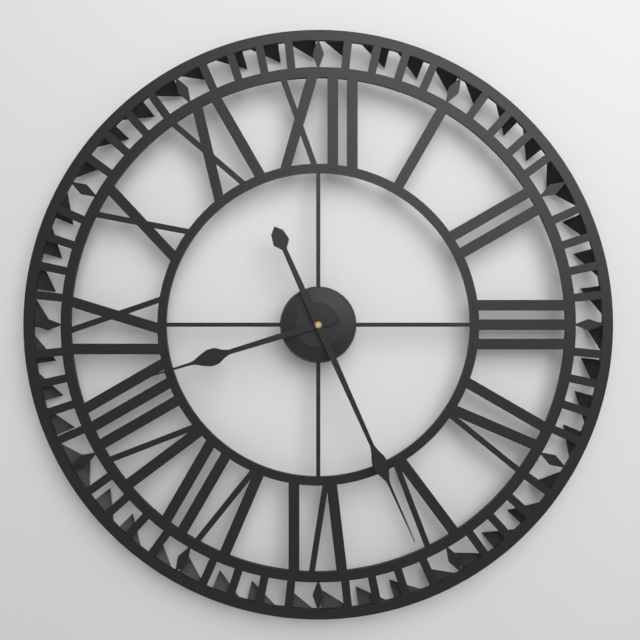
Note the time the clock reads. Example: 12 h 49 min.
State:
8 h 26 min
